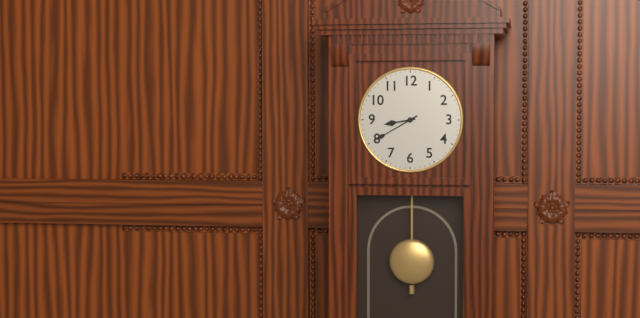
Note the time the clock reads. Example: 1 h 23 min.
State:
8 h 40 min
